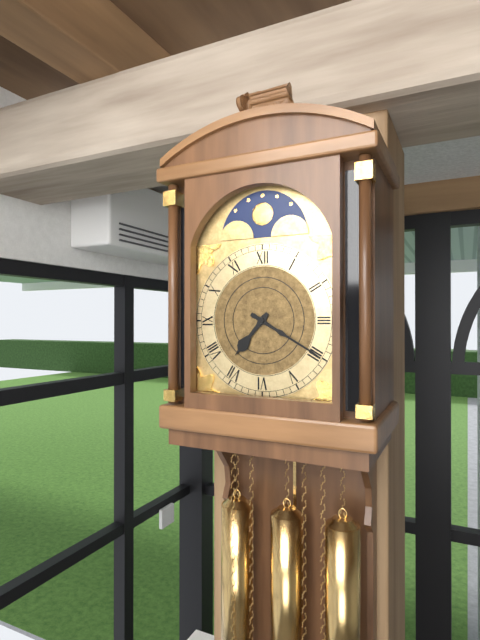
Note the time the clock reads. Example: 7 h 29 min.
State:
7 h 20 min
